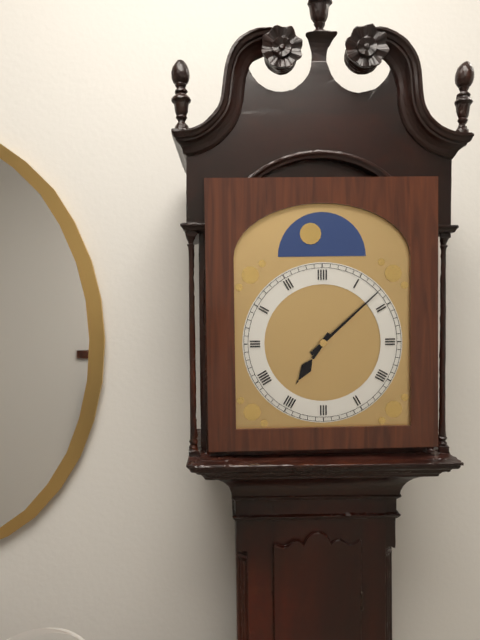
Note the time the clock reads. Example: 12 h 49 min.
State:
7 h 08 min
